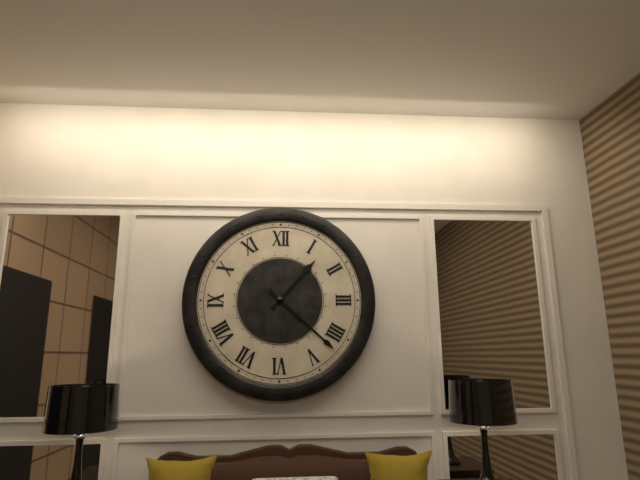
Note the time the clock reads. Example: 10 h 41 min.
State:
1 h 22 min
